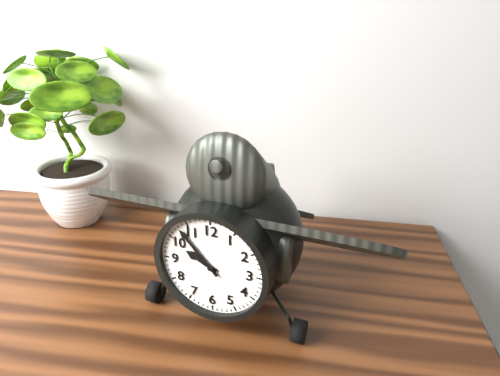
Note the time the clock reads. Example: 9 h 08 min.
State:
9 h 53 min
